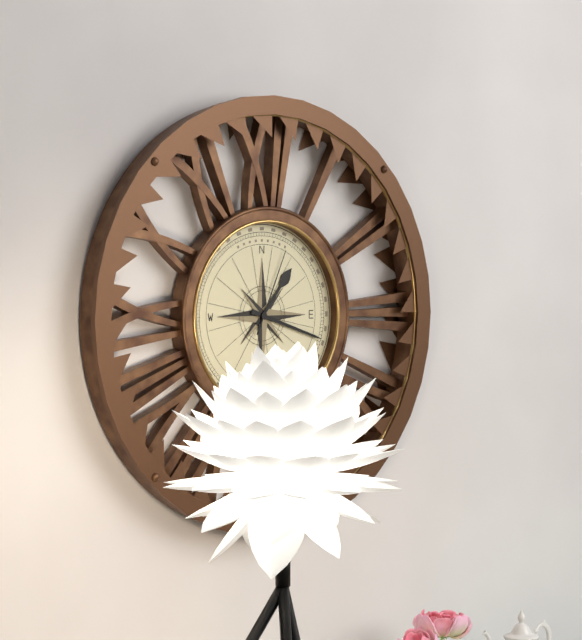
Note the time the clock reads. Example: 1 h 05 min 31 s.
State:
1 h 18 min 04 s
